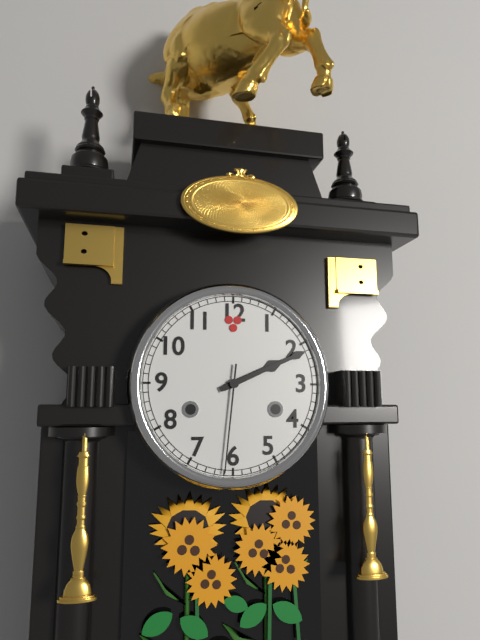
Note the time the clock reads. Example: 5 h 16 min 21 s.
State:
2 h 11 min 31 s
